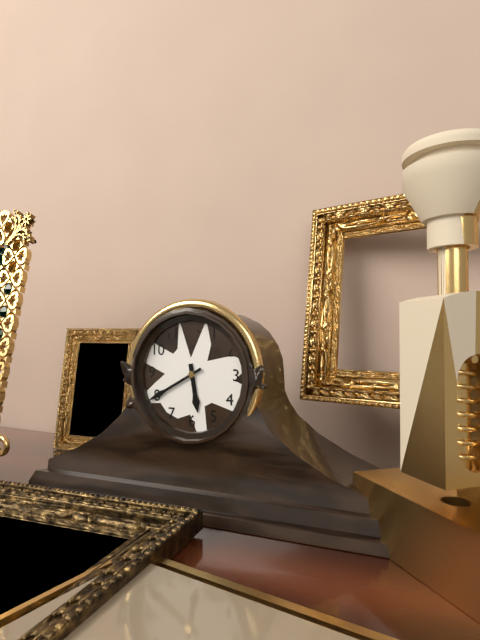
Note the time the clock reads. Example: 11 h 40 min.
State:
5 h 40 min
